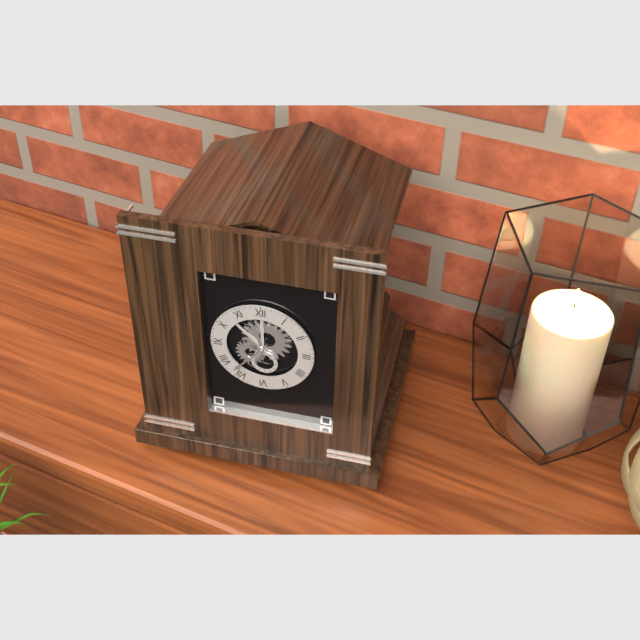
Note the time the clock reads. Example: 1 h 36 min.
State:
11 h 37 min
